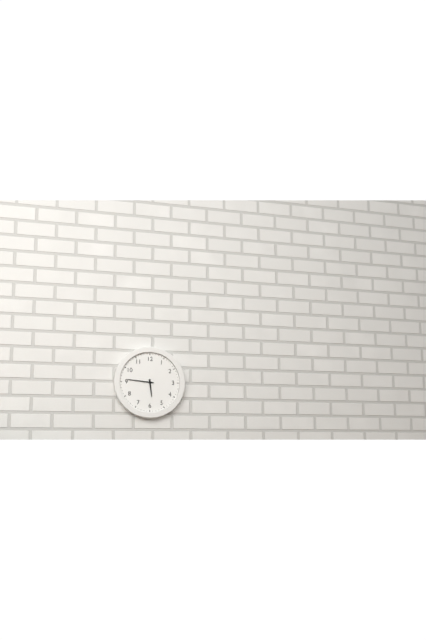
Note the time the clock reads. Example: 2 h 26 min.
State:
5 h 46 min
